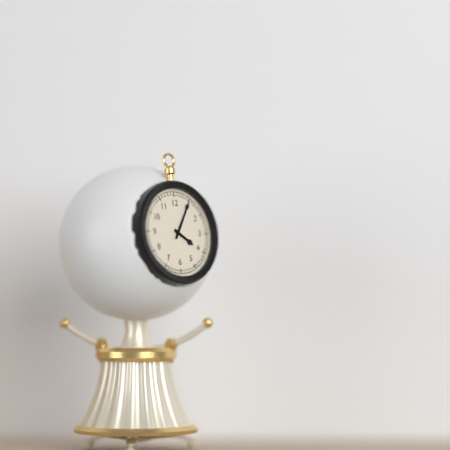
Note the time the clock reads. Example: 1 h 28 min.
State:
4 h 05 min
